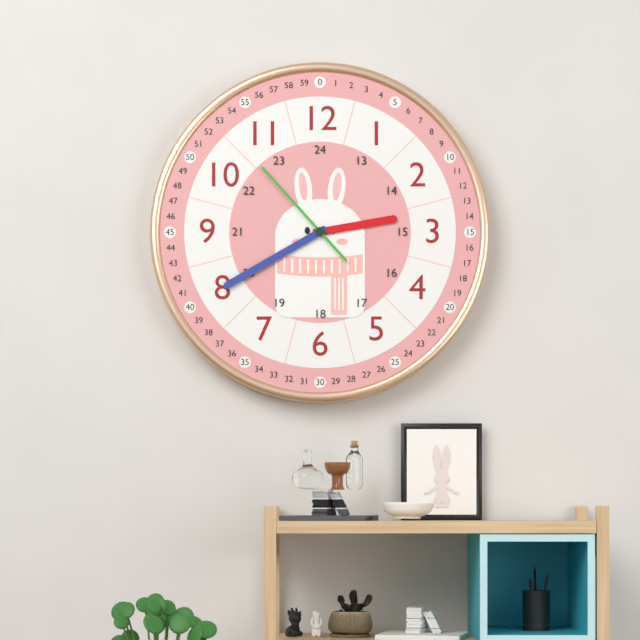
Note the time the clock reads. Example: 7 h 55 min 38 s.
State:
2 h 40 min 53 s
